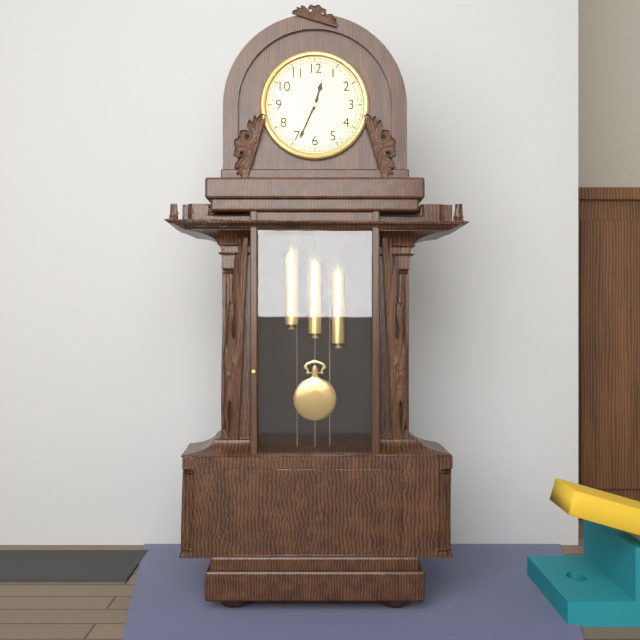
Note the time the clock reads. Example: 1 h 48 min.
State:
12 h 34 min
